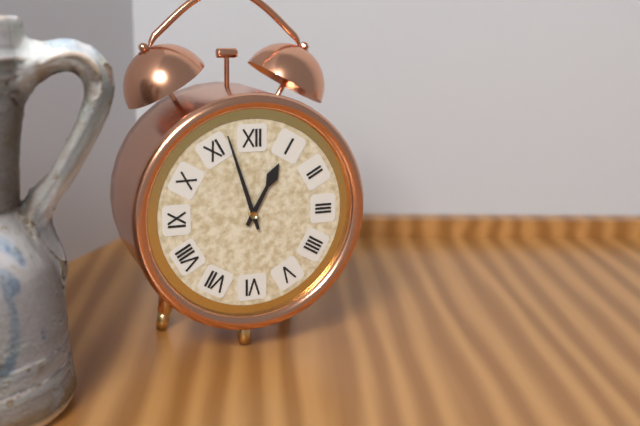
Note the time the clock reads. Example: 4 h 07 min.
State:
12 h 57 min
